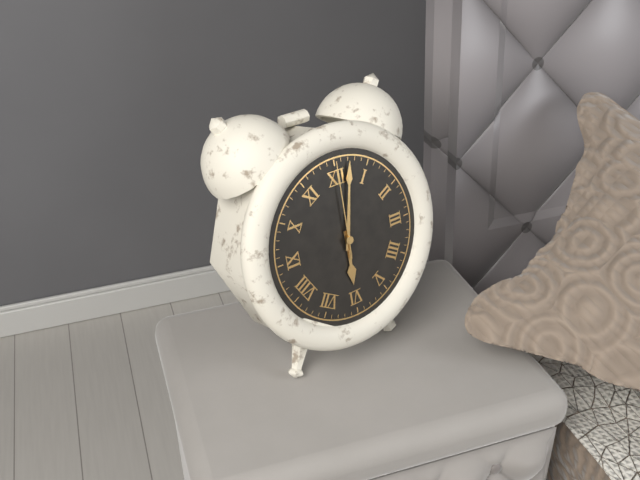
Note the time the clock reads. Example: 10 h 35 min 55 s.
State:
6 h 02 min 00 s
